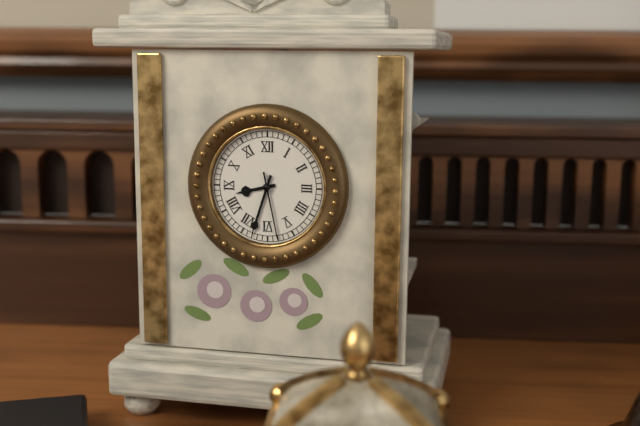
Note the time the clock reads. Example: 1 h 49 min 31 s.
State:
8 h 33 min 28 s
